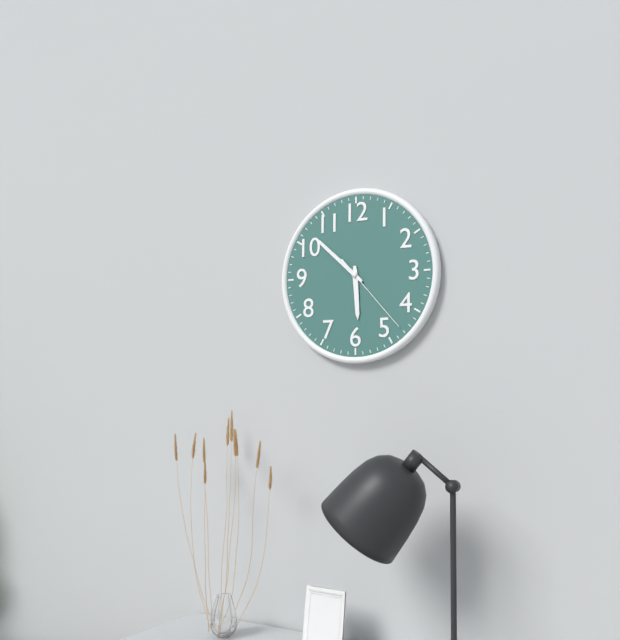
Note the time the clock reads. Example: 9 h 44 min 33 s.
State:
5 h 52 min 23 s
